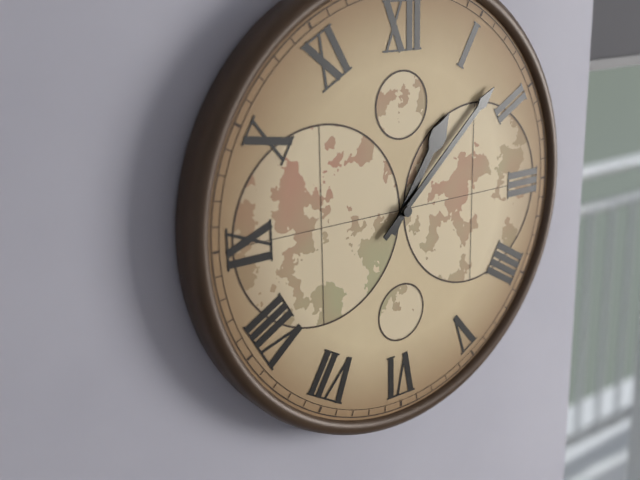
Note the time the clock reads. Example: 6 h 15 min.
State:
1 h 08 min
